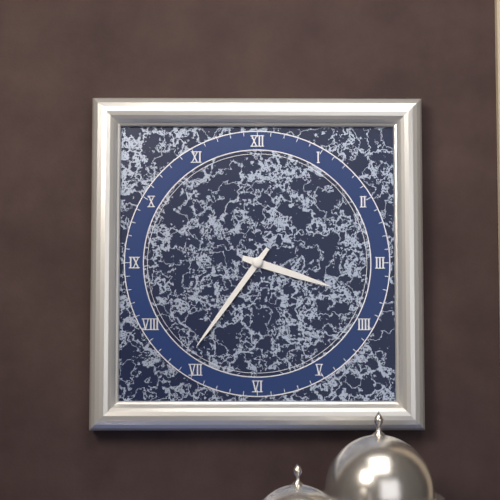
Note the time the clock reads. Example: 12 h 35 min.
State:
3 h 36 min
